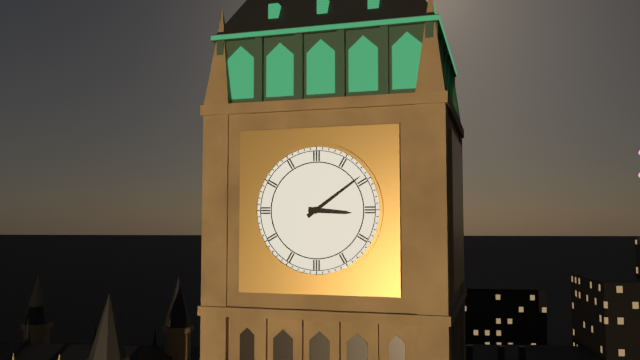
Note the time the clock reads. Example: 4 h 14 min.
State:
3 h 09 min
